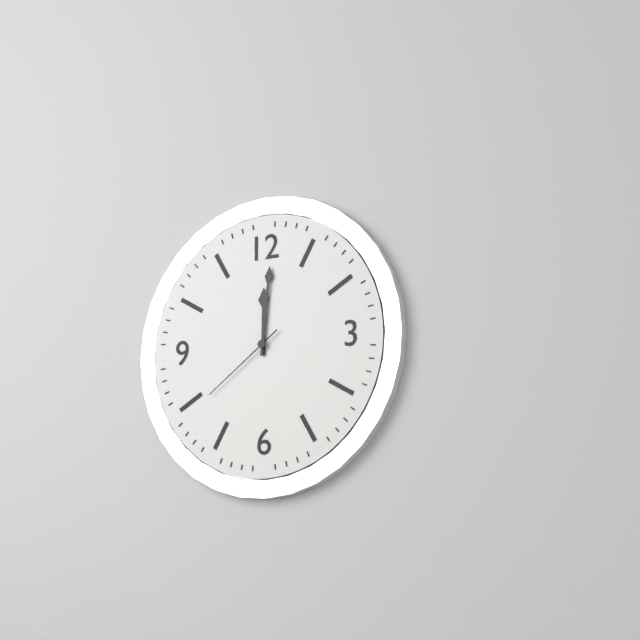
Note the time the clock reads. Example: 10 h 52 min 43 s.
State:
12 h 01 min 39 s
